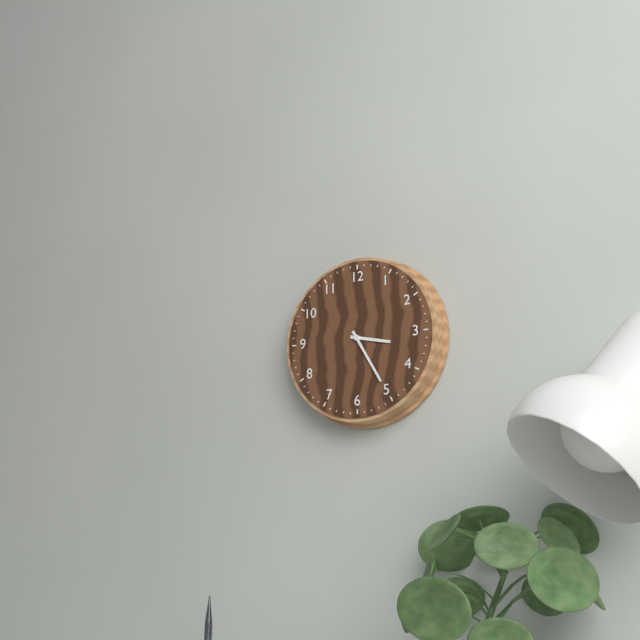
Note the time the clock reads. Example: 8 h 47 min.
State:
3 h 25 min
